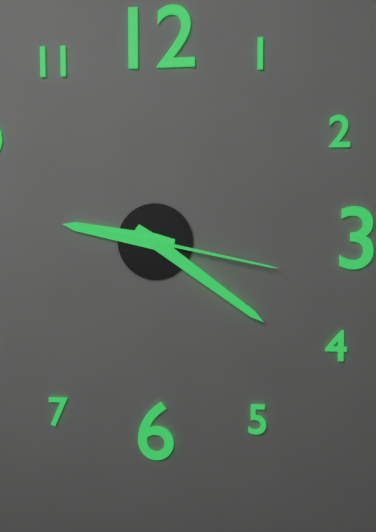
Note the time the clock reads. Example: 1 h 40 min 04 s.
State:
9 h 21 min 17 s
